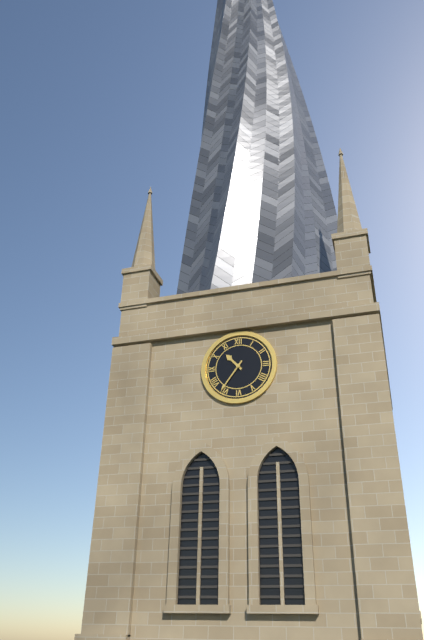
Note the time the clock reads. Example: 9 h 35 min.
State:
10 h 36 min
